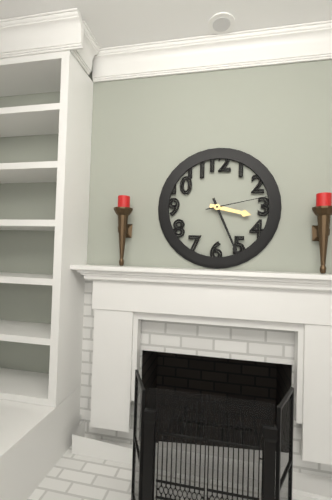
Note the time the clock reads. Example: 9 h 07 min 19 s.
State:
3 h 26 min 13 s
